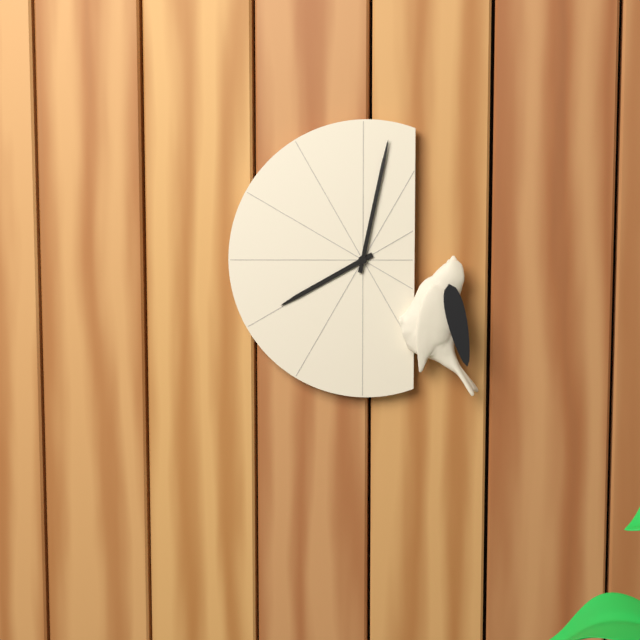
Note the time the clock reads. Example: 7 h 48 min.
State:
8 h 02 min
